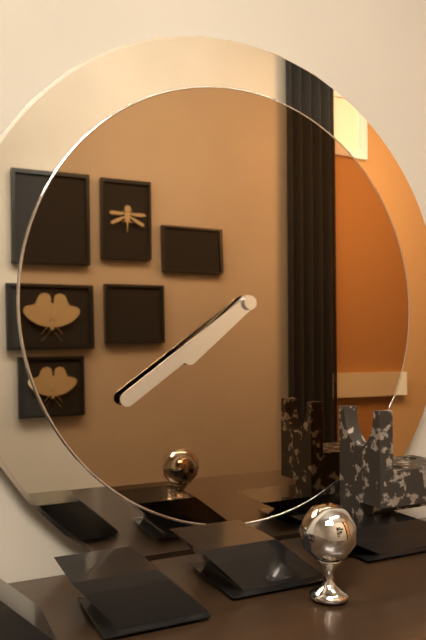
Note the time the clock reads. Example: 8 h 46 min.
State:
7 h 39 min
